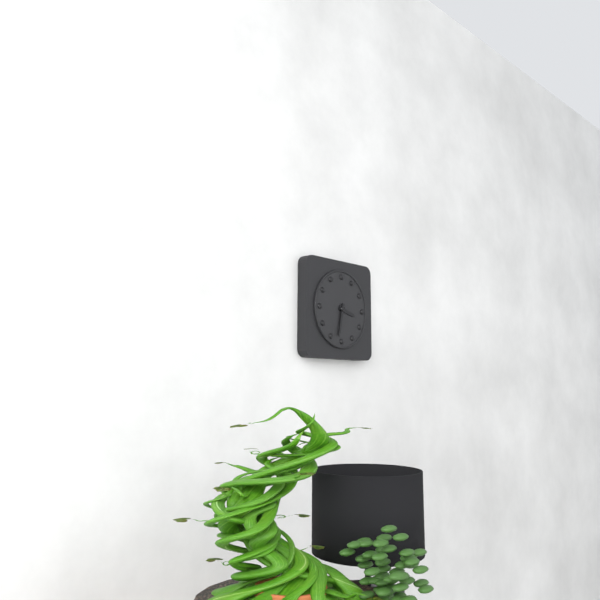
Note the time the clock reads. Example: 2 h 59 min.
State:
3 h 32 min
